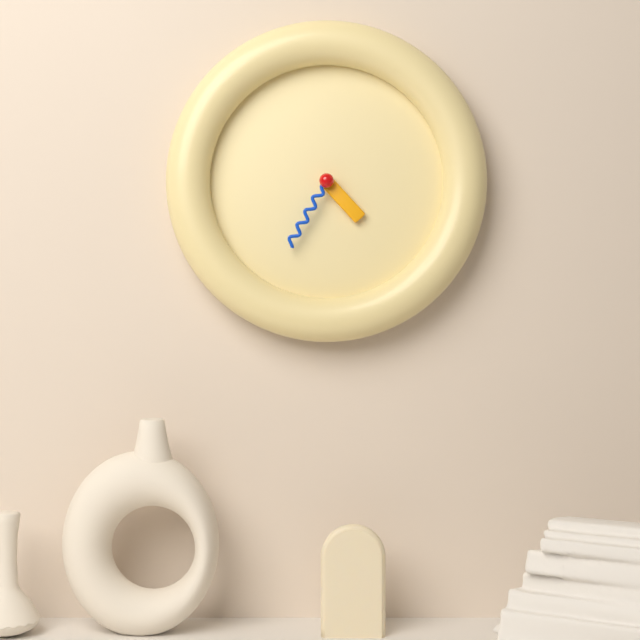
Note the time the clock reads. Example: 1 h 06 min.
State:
4 h 35 min
